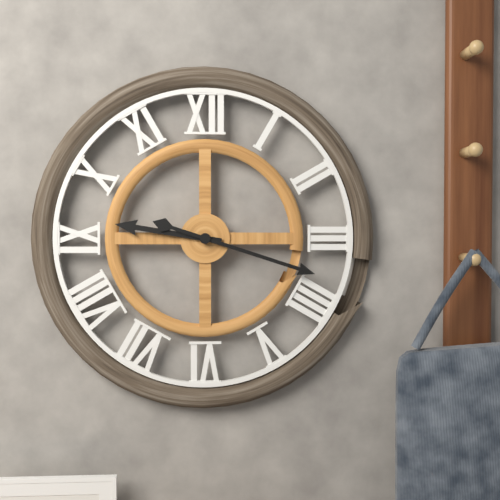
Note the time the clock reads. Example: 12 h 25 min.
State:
9 h 18 min
